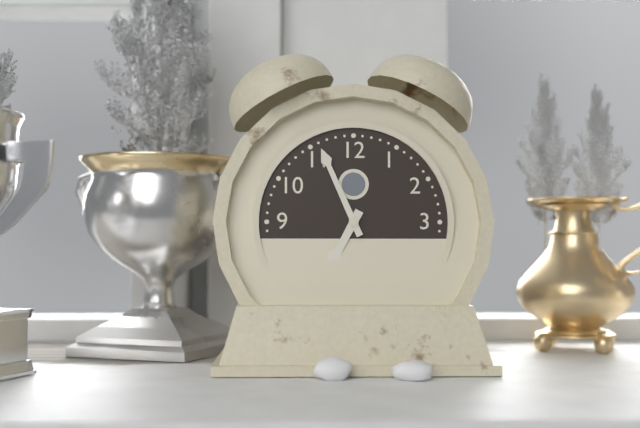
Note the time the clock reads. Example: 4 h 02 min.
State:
6 h 56 min
